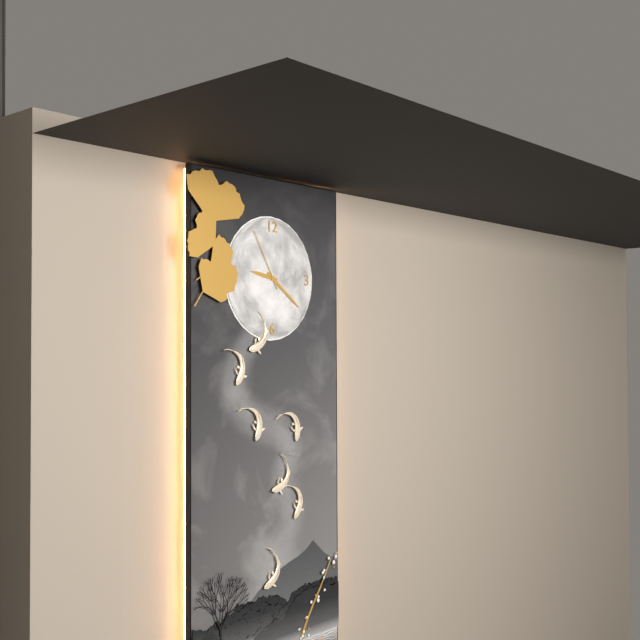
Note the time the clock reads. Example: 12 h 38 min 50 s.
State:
9 h 21 min 55 s
